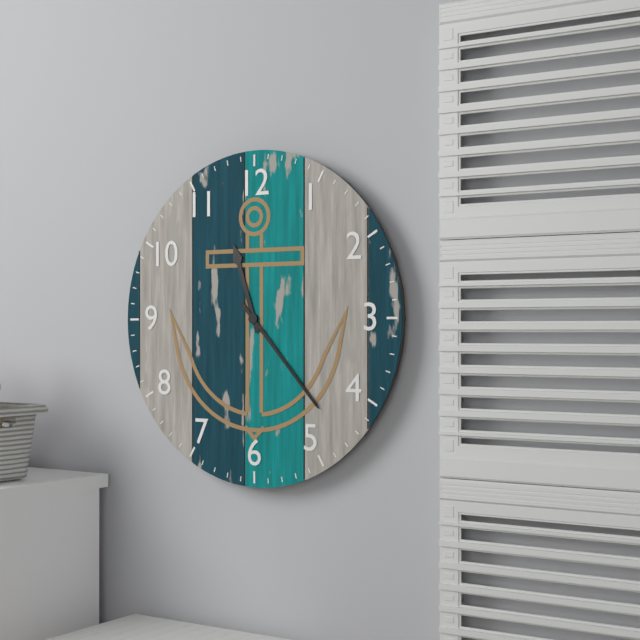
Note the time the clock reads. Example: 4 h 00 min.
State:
11 h 23 min
